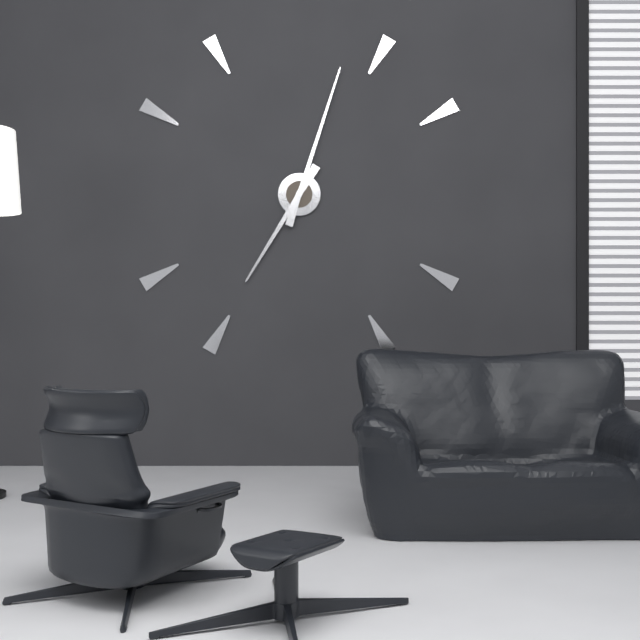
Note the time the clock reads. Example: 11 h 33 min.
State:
7 h 03 min
